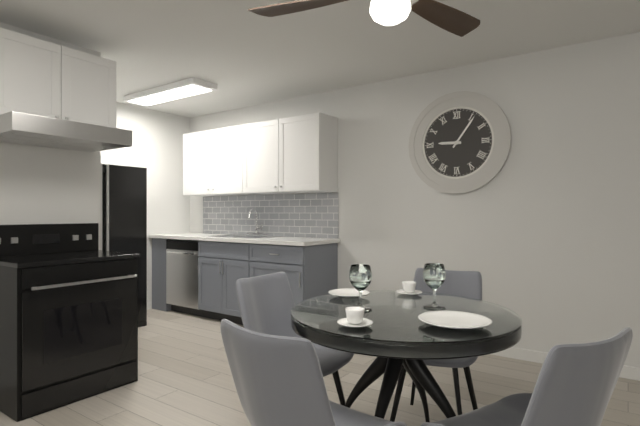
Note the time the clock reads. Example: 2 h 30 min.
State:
9 h 06 min
